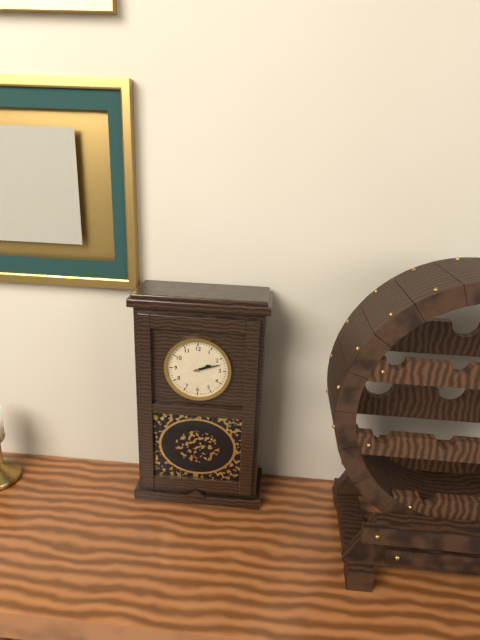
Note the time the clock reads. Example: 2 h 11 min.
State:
2 h 12 min
